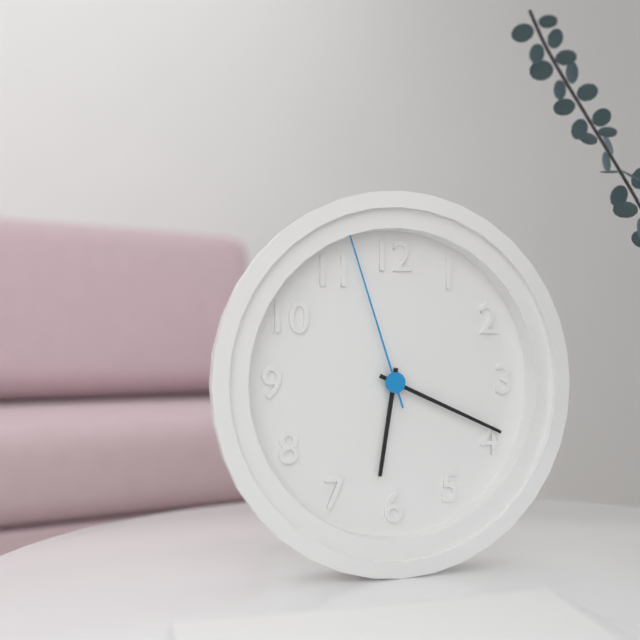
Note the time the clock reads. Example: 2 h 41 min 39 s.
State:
6 h 19 min 57 s
